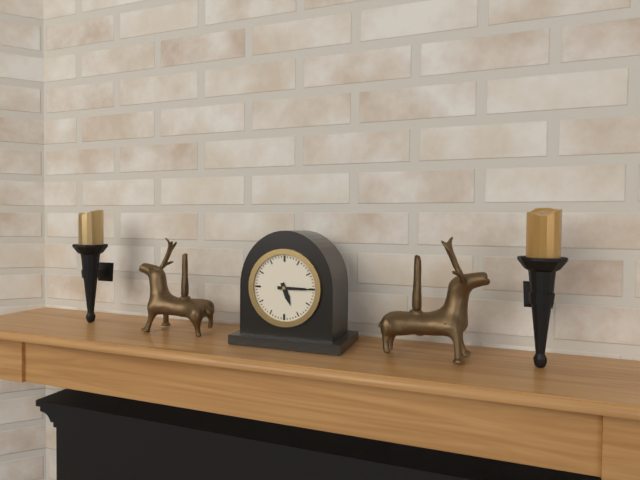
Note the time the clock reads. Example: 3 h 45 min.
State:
5 h 15 min
